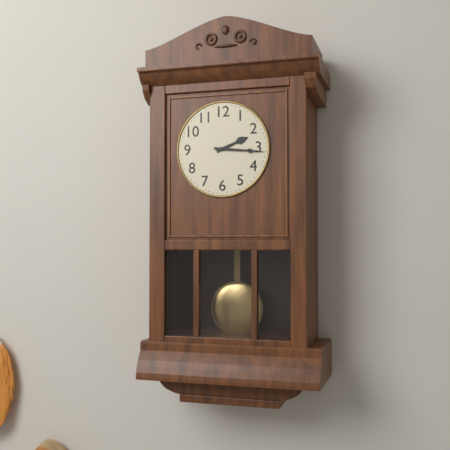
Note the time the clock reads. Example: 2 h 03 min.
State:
2 h 16 min
